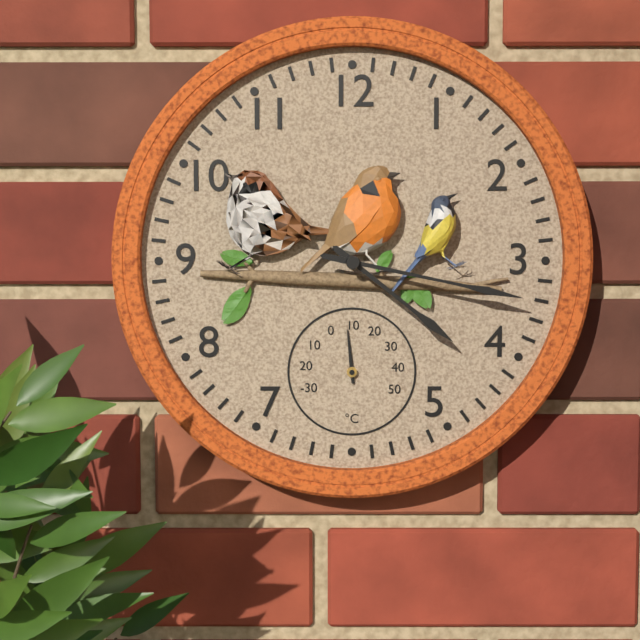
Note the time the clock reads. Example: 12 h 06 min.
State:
4 h 17 min
